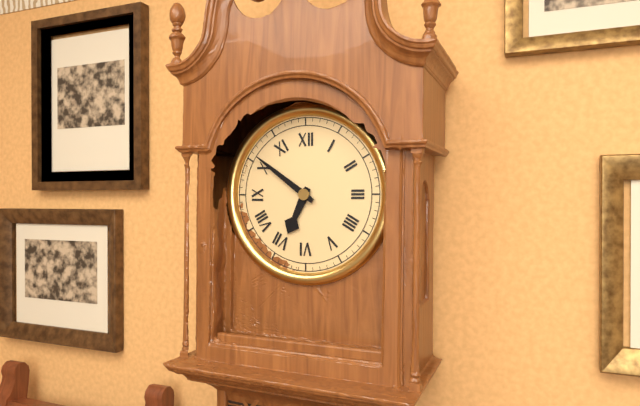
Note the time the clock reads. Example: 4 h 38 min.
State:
6 h 51 min
